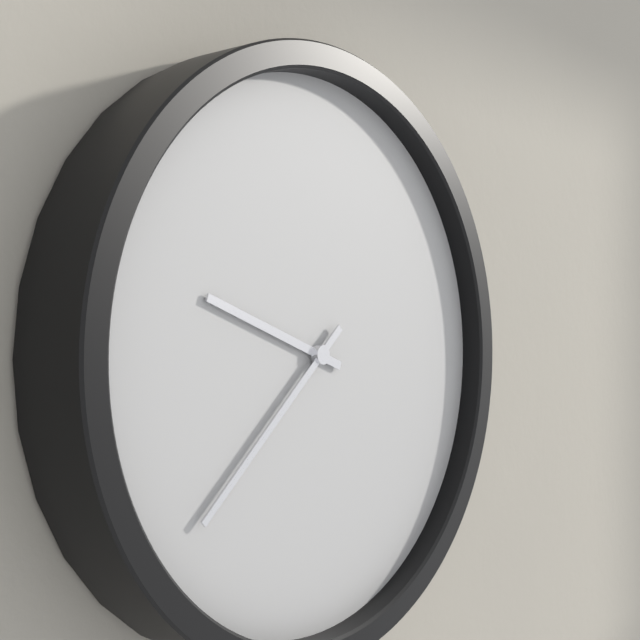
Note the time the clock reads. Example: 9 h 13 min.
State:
9 h 38 min
